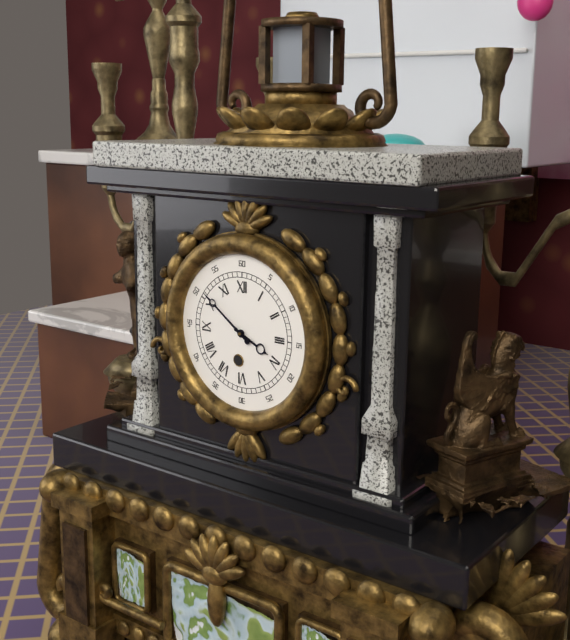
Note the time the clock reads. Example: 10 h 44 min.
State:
3 h 51 min
